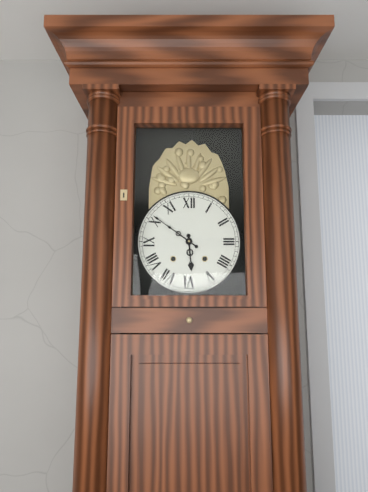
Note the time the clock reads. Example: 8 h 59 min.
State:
5 h 51 min
